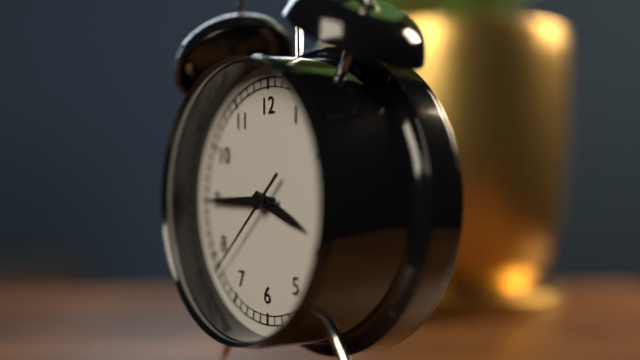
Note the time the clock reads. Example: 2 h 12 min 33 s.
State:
3 h 45 min 38 s
